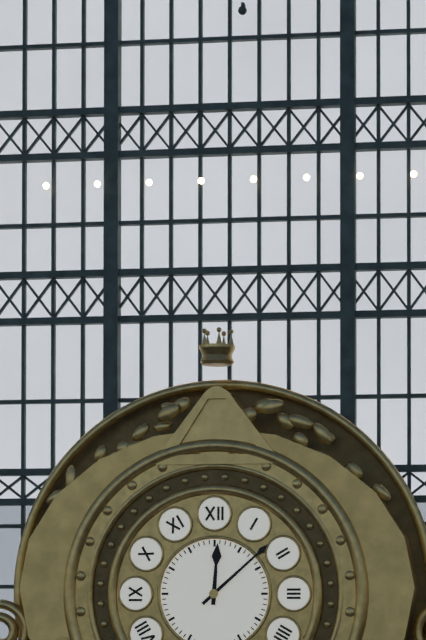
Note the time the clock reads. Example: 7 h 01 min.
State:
12 h 08 min
